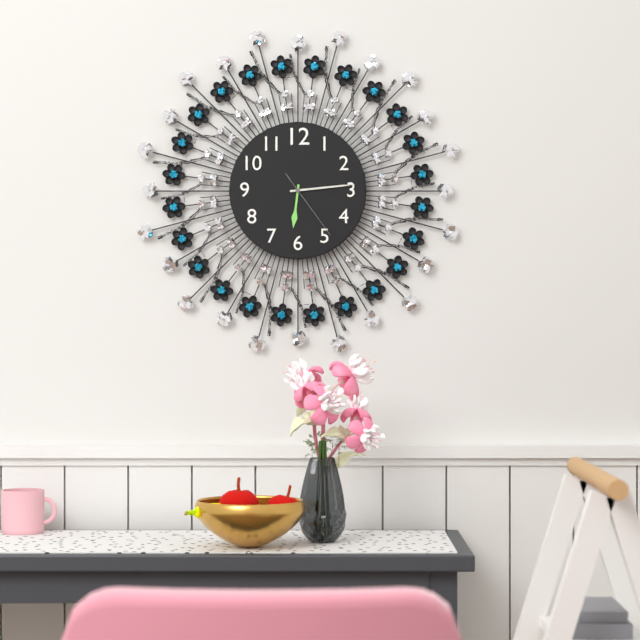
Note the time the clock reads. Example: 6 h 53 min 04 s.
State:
6 h 14 min 24 s
